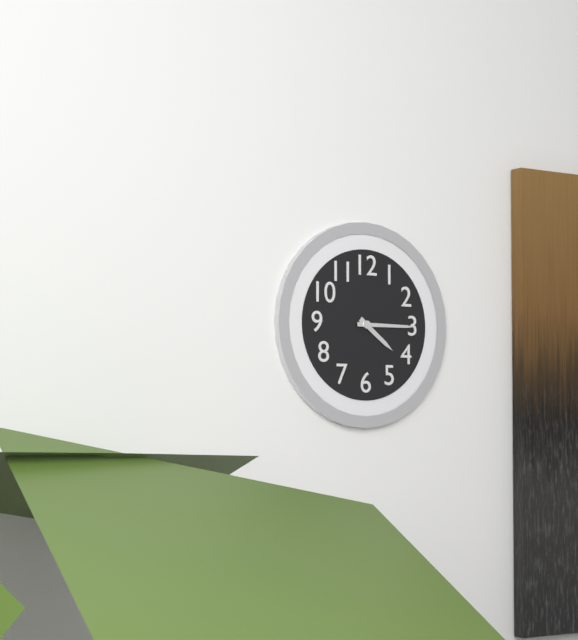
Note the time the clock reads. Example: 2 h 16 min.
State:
4 h 15 min
